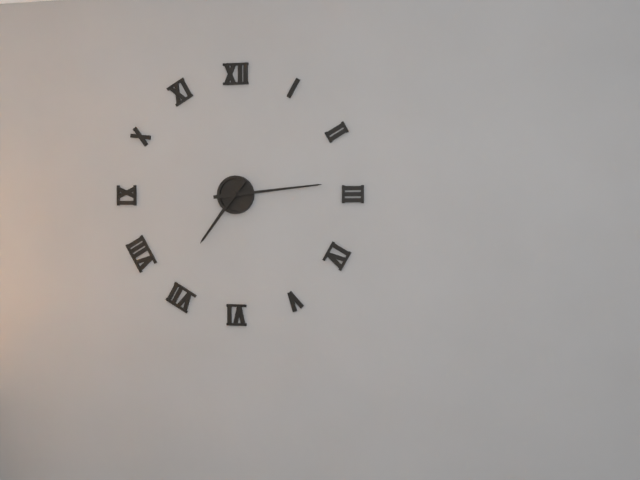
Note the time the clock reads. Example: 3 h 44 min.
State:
7 h 14 min
